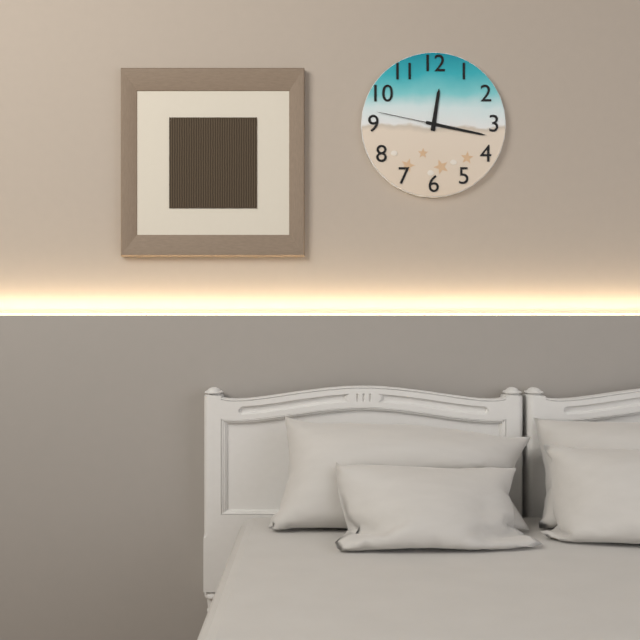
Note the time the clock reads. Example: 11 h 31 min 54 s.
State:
12 h 17 min 47 s
